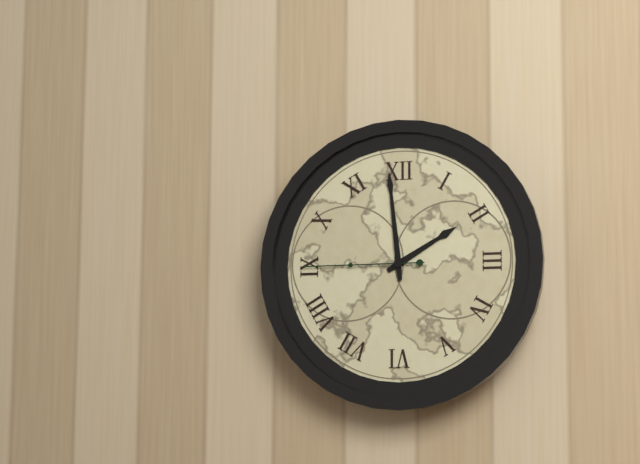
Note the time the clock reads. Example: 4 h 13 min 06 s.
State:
1 h 59 min 45 s
